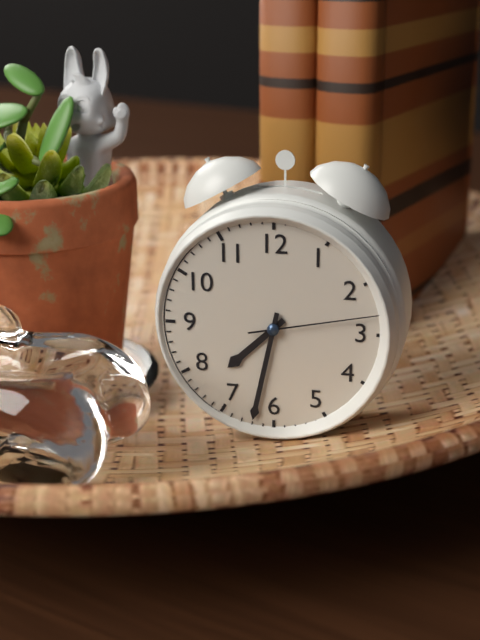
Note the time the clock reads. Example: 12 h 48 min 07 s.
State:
7 h 32 min 13 s
